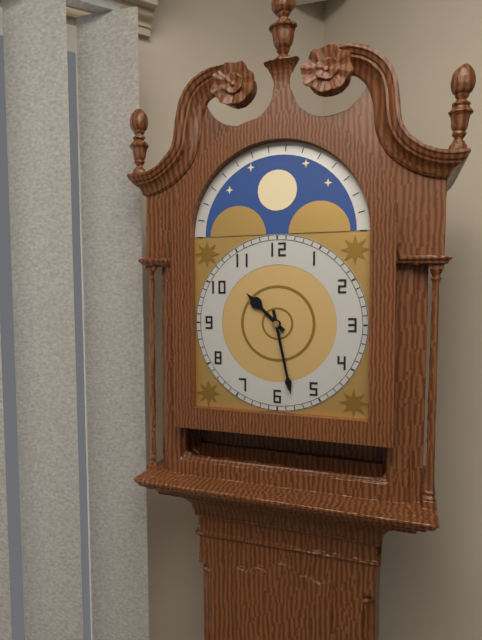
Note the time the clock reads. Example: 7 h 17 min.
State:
10 h 28 min
